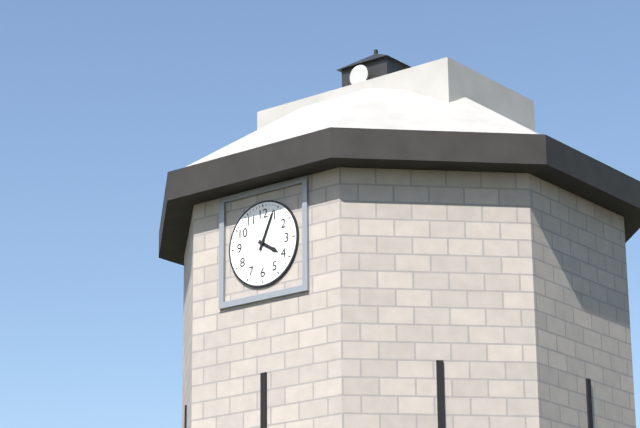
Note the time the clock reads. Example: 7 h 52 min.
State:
4 h 04 min
